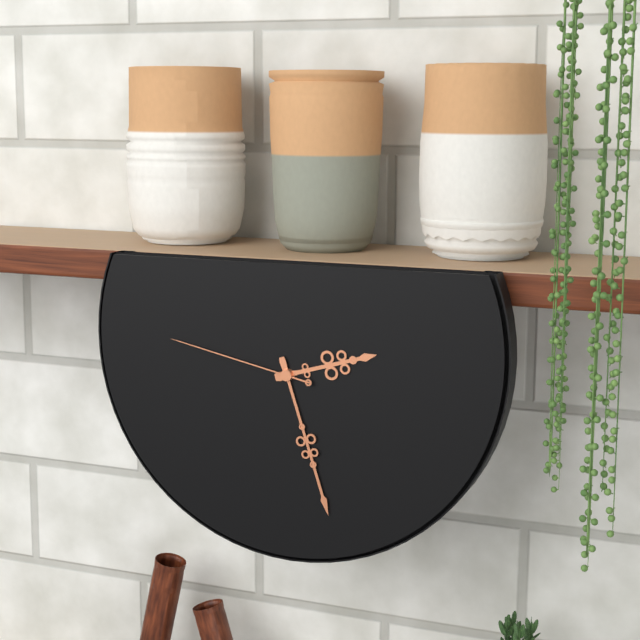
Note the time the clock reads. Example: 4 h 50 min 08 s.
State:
2 h 27 min 47 s
